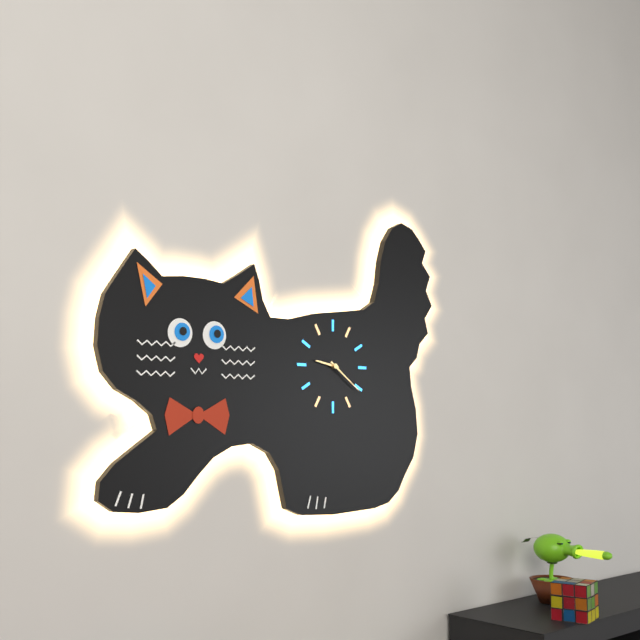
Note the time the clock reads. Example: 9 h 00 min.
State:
9 h 21 min
